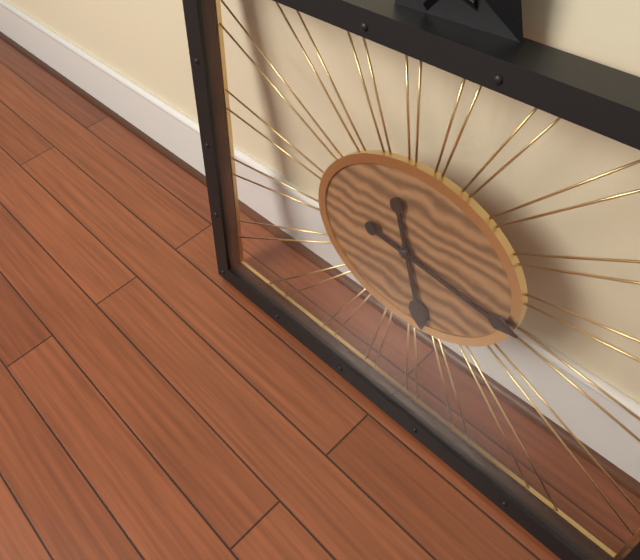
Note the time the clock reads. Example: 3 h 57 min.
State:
5 h 16 min
